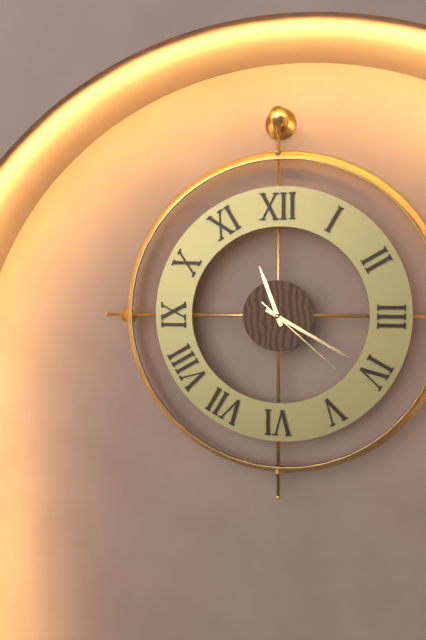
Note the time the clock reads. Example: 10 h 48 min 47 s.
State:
11 h 20 min 22 s
